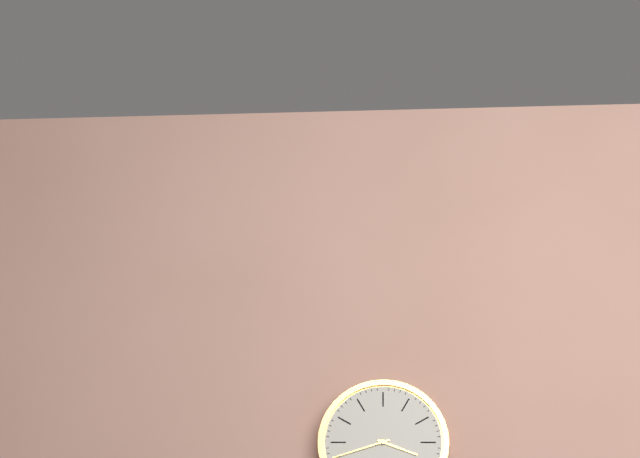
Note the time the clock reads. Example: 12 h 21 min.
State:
3 h 42 min
